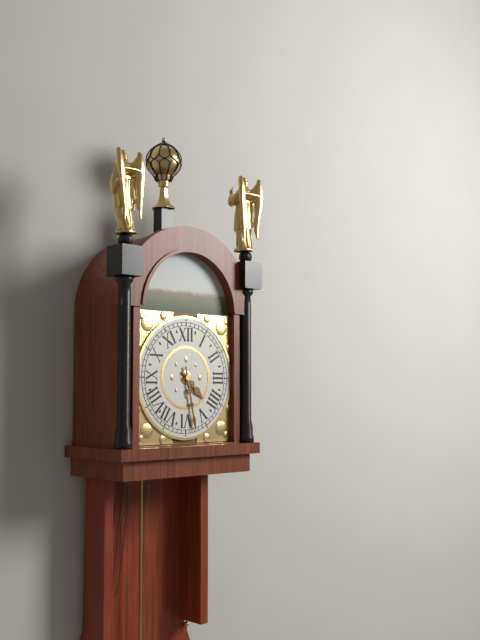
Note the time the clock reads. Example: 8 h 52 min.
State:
4 h 28 min
